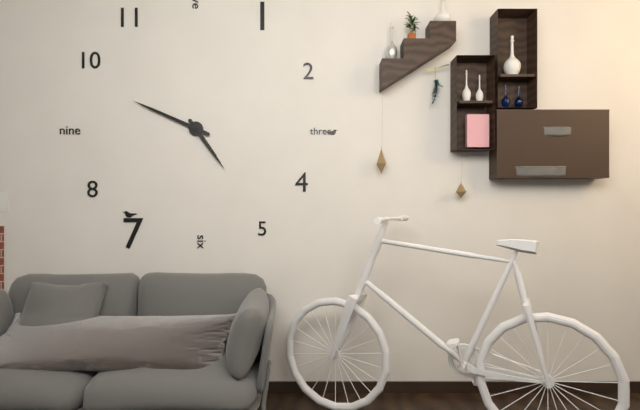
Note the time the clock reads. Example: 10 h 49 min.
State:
4 h 49 min
